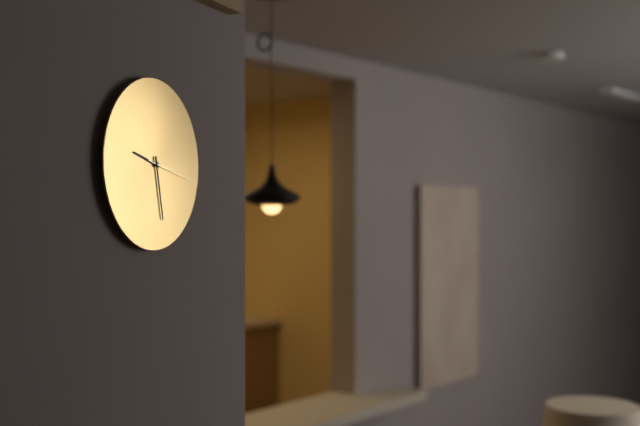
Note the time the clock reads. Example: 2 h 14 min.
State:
9 h 28 min
